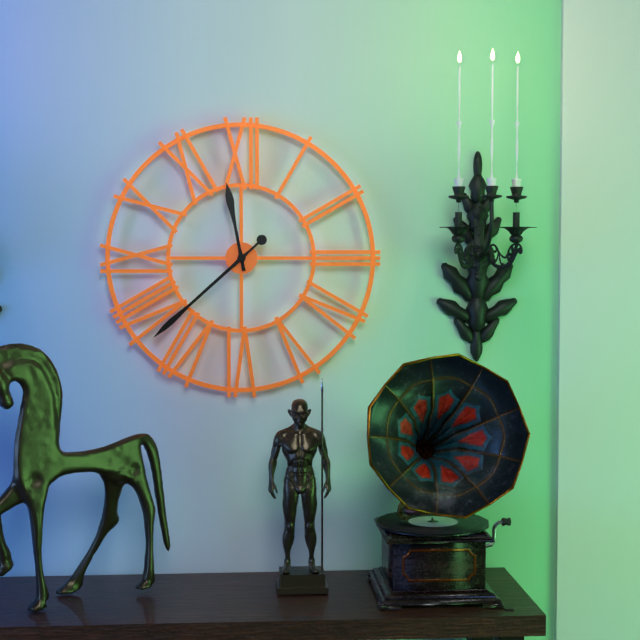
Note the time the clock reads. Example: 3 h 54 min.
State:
11 h 38 min
